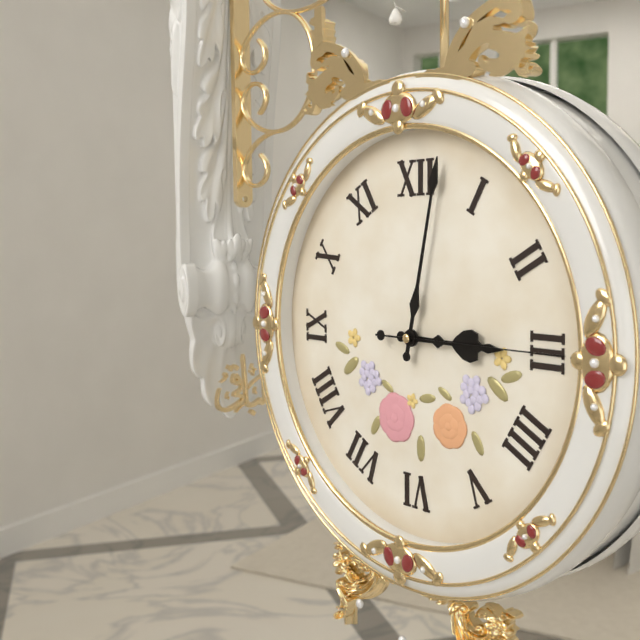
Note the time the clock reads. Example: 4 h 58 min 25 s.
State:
3 h 02 min 15 s
